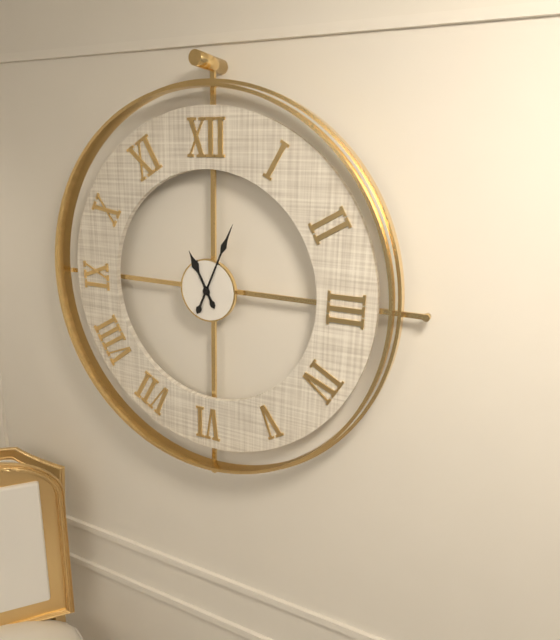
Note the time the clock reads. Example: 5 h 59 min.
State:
11 h 04 min
